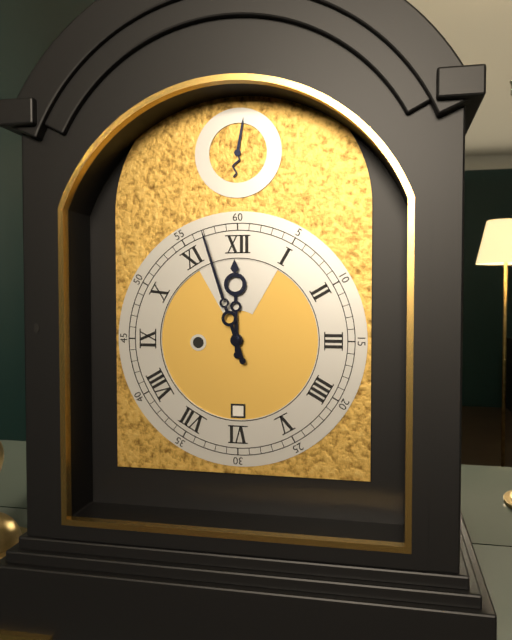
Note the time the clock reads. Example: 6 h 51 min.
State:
11 h 57 min
